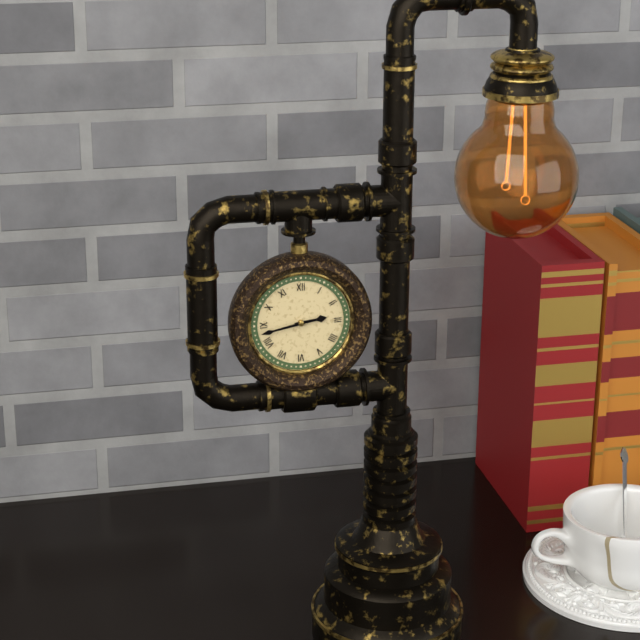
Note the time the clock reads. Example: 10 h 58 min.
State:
2 h 43 min
